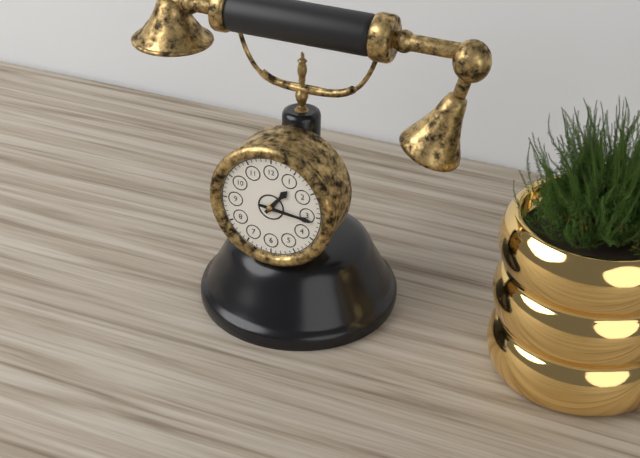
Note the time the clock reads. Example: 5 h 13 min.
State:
1 h 16 min
